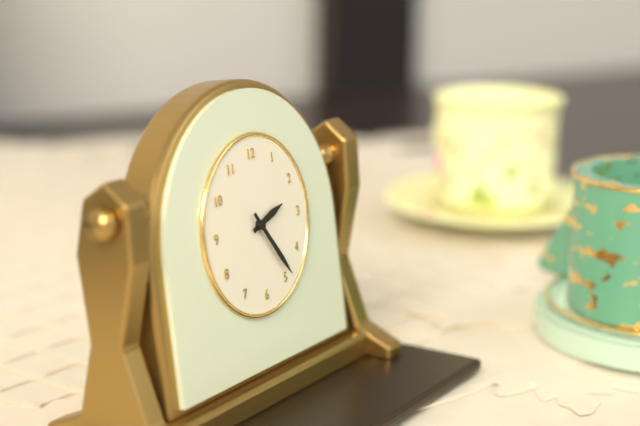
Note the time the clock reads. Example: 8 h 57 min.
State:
2 h 24 min
